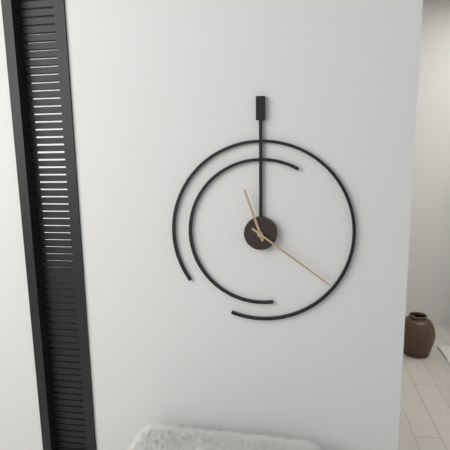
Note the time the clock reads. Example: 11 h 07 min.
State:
11 h 21 min
